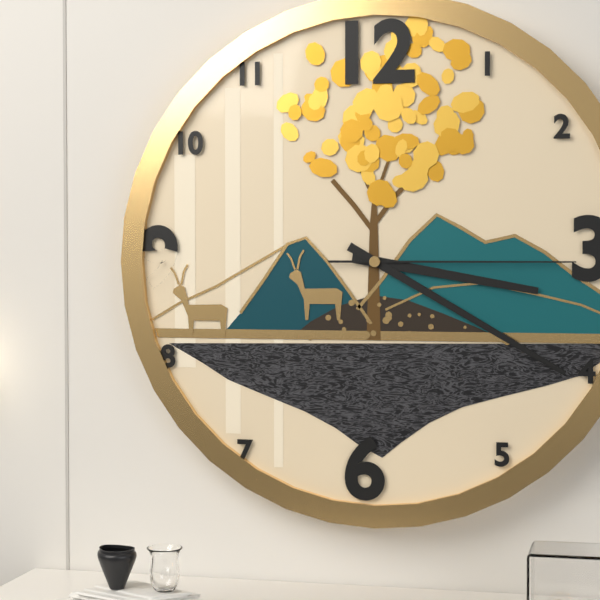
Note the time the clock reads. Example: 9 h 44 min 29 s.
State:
3 h 20 min 15 s
